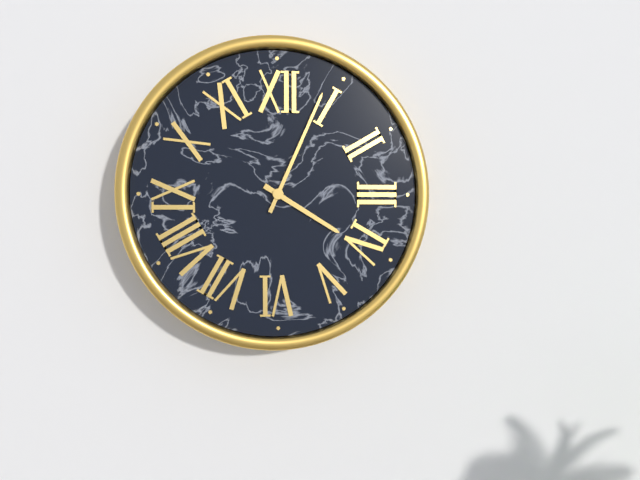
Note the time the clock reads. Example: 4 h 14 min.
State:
4 h 04 min
